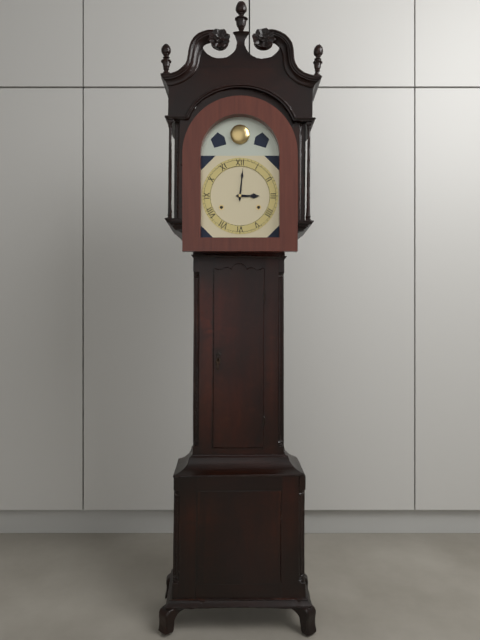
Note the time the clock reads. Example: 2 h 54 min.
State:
3 h 01 min
